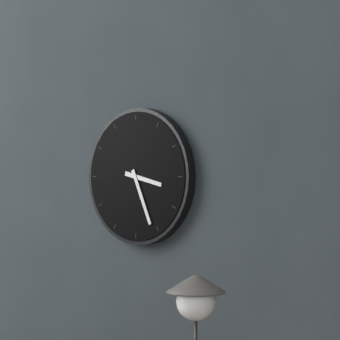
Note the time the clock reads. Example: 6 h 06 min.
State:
3 h 26 min
